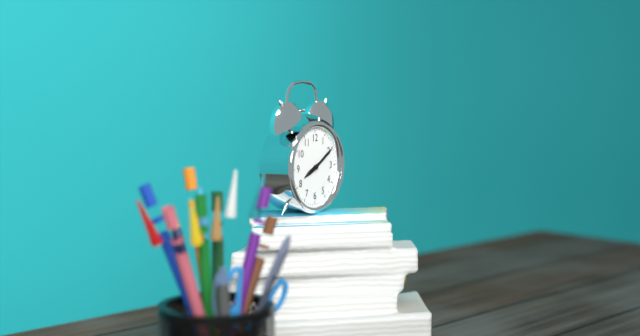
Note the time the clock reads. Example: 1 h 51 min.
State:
8 h 10 min
